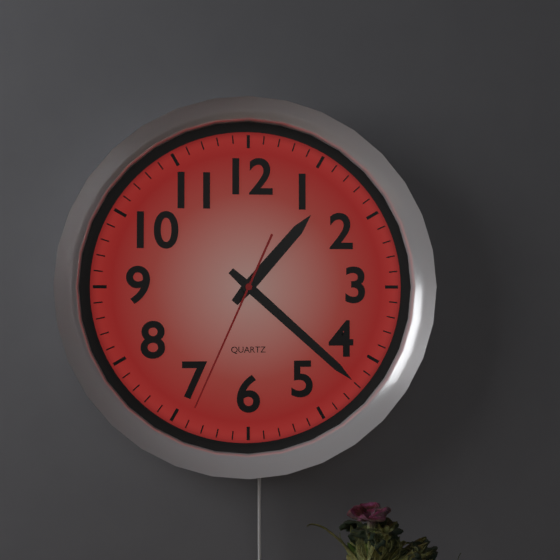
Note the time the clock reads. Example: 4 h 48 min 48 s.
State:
1 h 22 min 34 s
